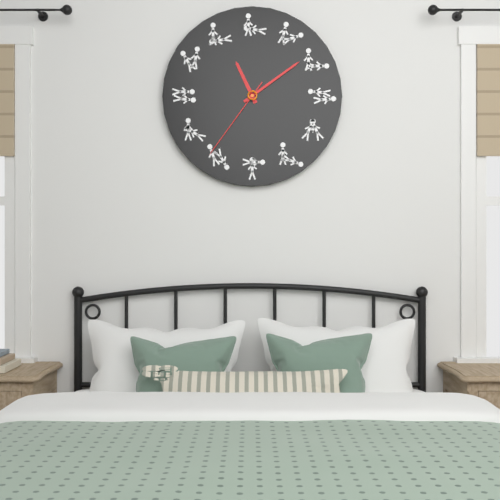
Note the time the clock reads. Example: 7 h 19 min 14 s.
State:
11 h 09 min 36 s
